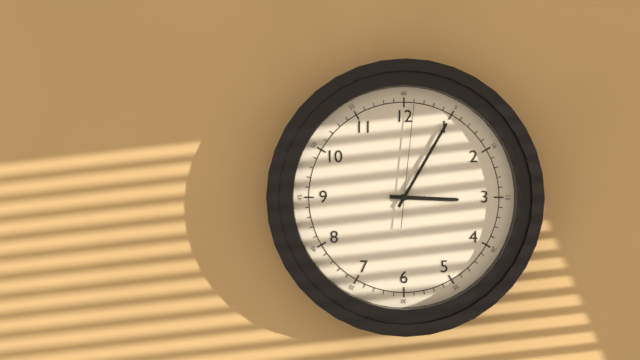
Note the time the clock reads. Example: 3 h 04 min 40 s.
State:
3 h 05 min 01 s
